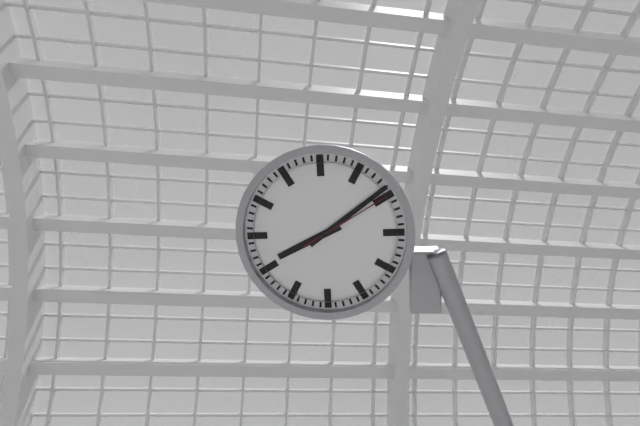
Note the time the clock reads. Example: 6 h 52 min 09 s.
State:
8 h 09 min 10 s
